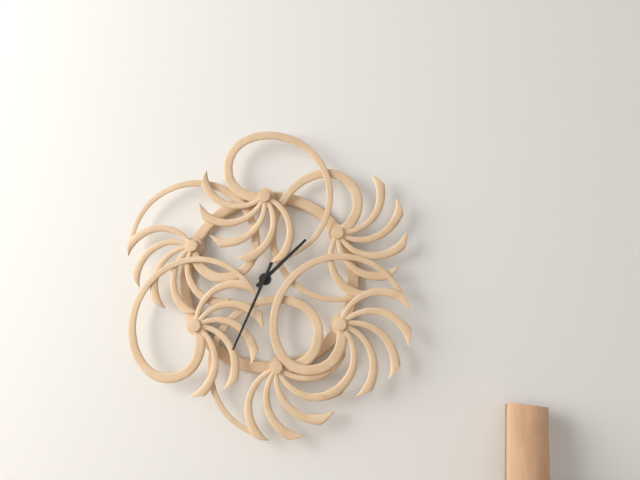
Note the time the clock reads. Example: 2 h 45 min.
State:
1 h 34 min
